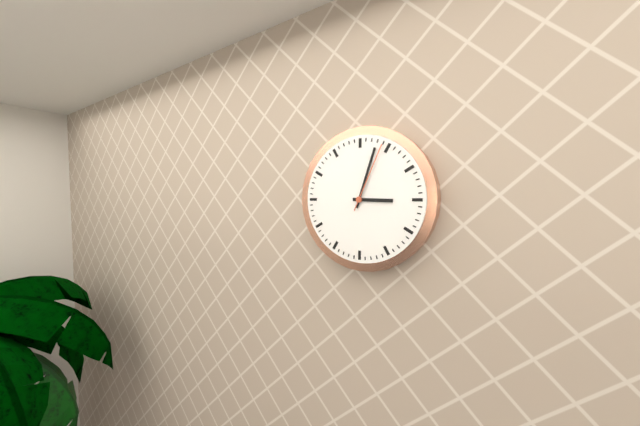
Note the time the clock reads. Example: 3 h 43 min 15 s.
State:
3 h 03 min 04 s
